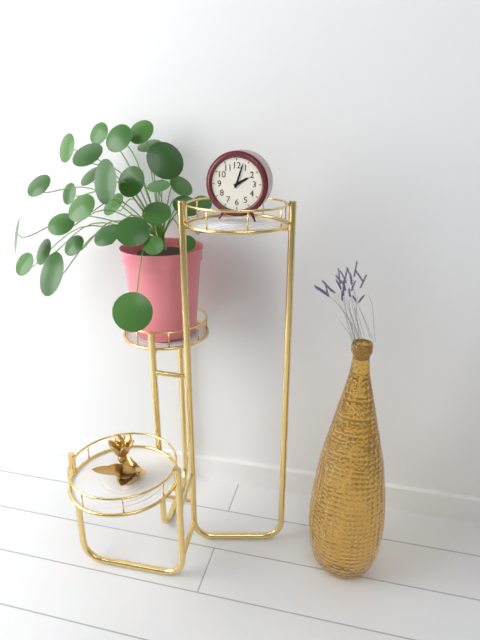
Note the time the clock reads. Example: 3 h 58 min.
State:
2 h 03 min
